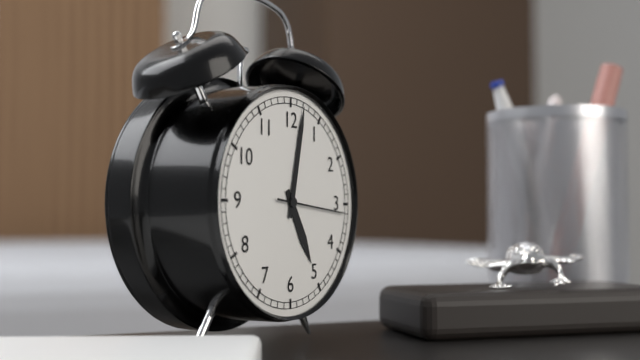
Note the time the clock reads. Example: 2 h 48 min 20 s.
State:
5 h 02 min 16 s
